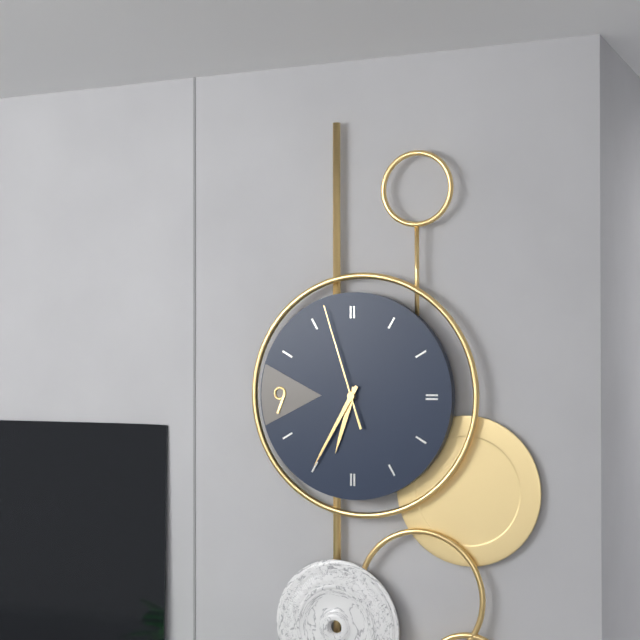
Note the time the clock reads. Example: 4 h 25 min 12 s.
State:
6 h 35 min 57 s
